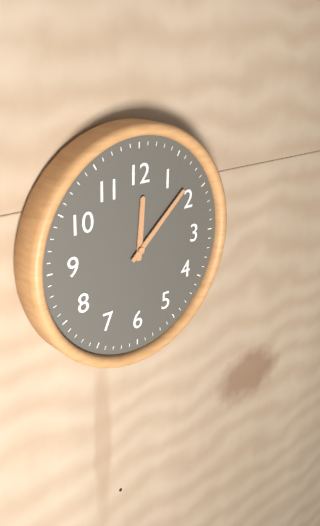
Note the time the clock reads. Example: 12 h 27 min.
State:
12 h 08 min
